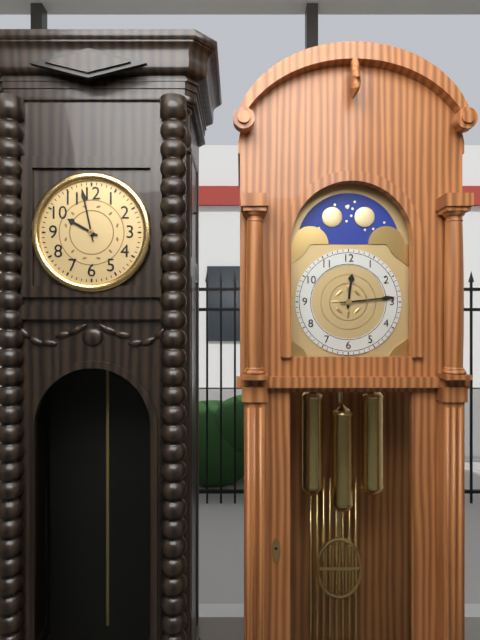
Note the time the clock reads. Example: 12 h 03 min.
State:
9 h 58 min
